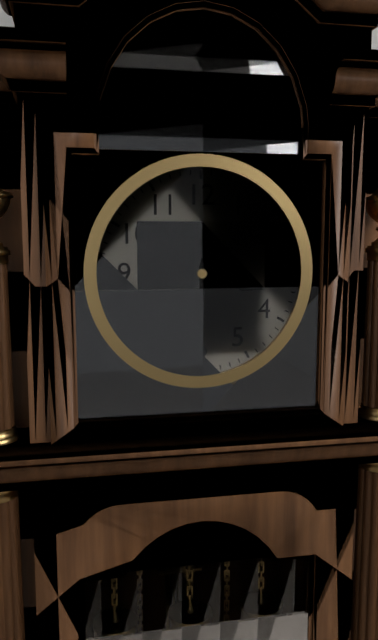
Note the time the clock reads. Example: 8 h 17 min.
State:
3 h 30 min
